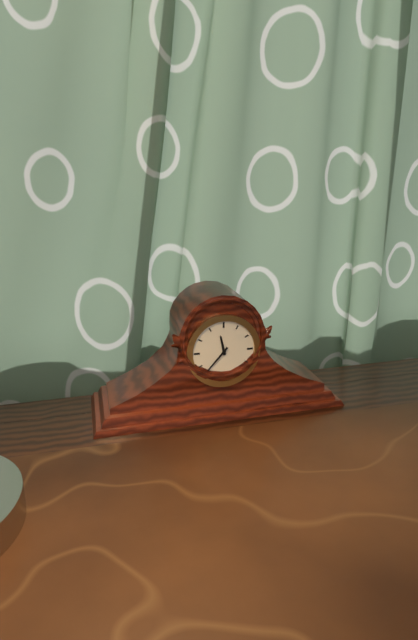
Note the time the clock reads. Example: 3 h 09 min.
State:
11 h 37 min
